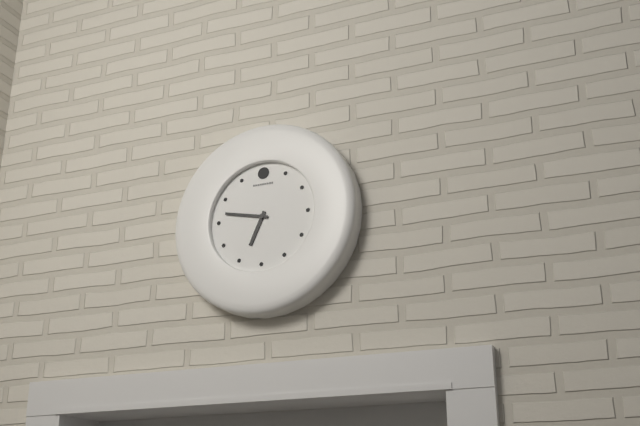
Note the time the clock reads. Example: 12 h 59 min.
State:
6 h 47 min
